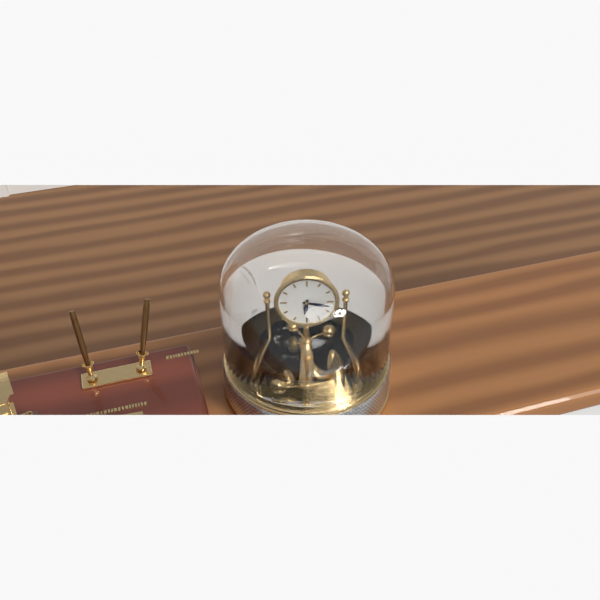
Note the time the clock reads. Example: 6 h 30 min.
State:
6 h 17 min
